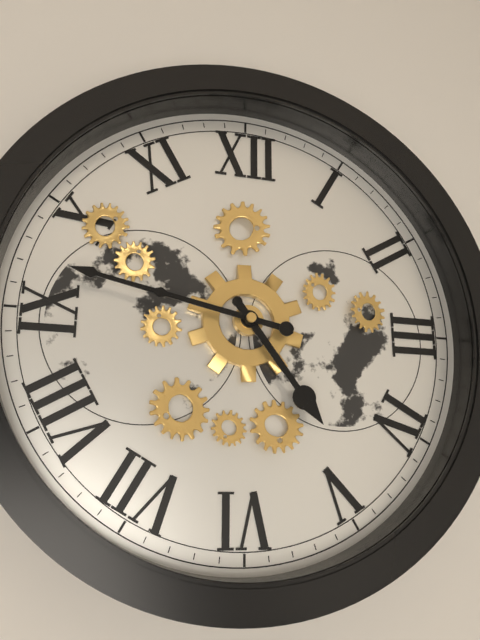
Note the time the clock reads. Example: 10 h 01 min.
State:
4 h 47 min
